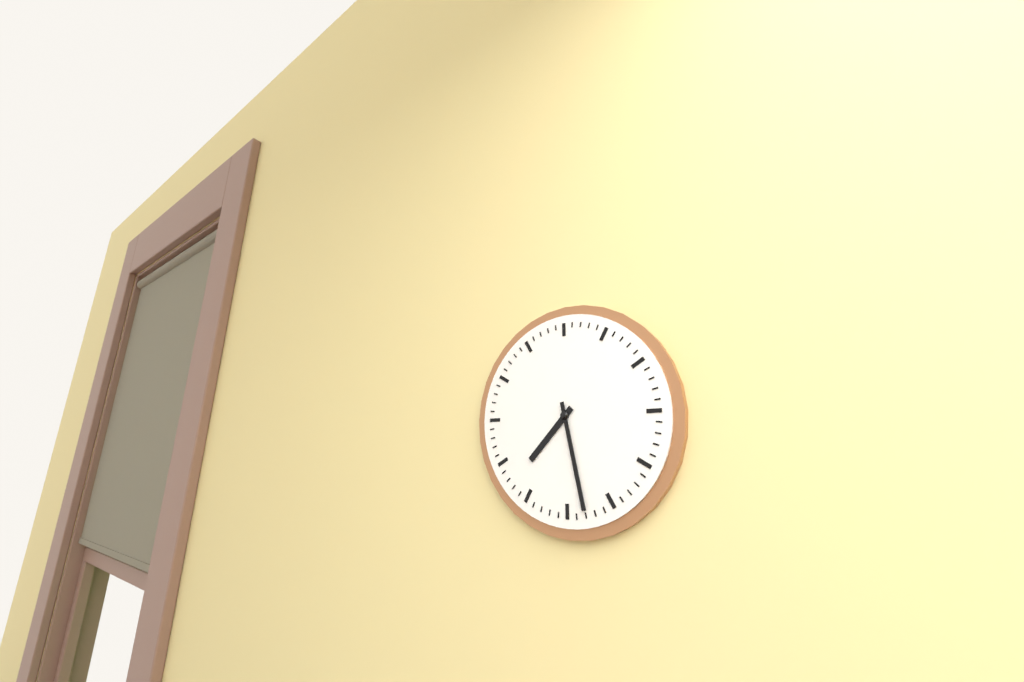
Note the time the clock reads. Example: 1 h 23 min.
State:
7 h 28 min
